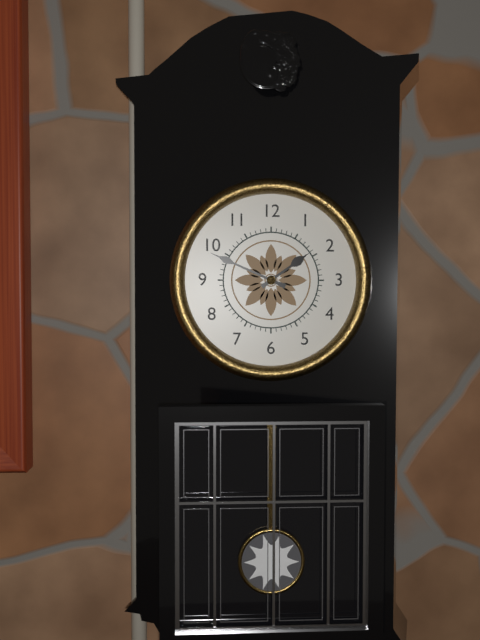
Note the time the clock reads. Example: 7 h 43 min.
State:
1 h 49 min
